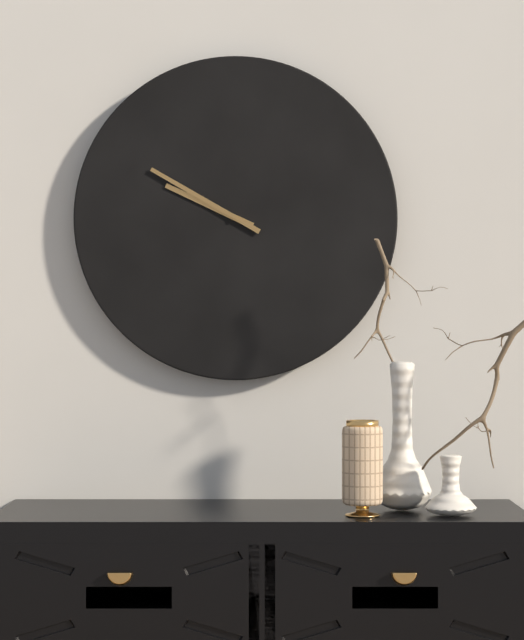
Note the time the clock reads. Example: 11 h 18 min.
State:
9 h 50 min
